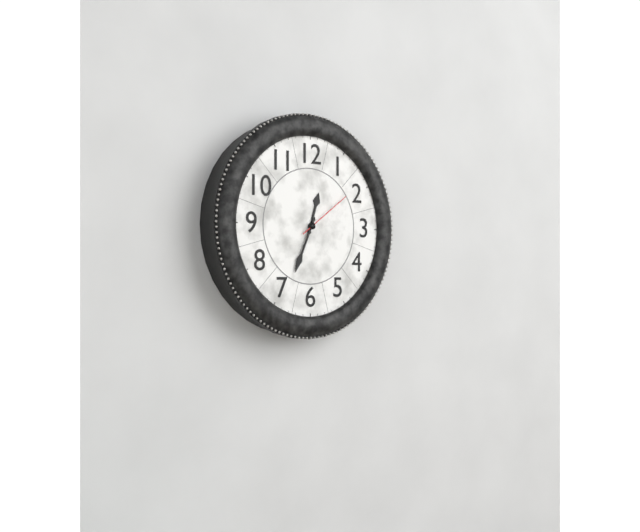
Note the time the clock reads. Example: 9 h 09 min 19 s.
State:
12 h 34 min 09 s
